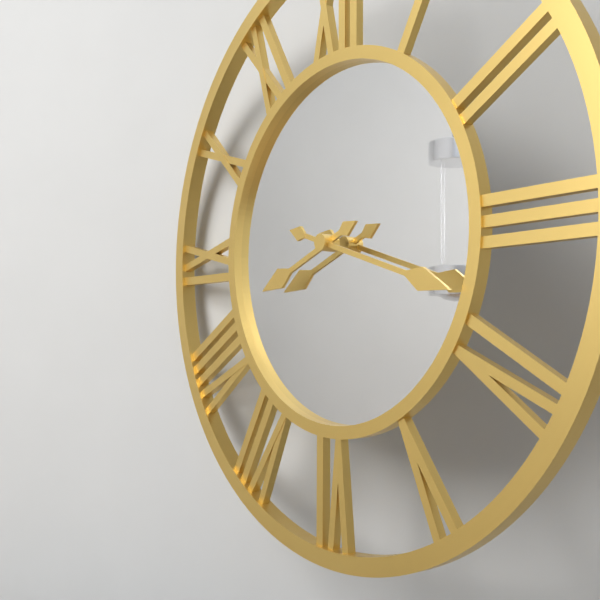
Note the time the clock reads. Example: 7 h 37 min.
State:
8 h 18 min
